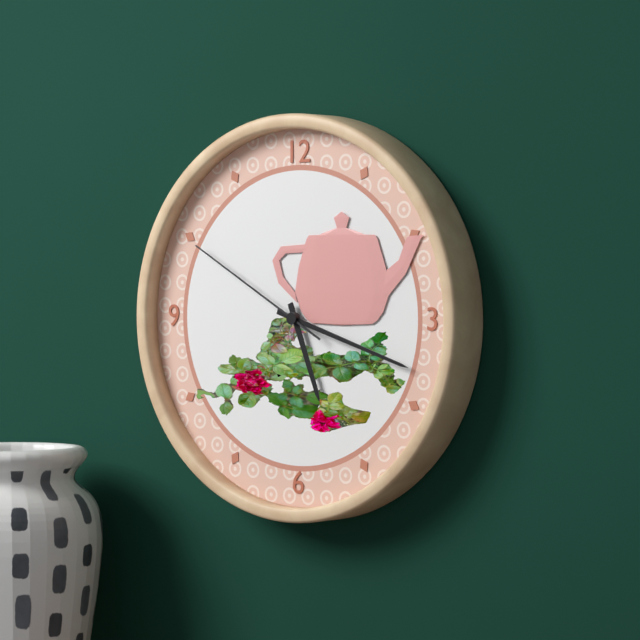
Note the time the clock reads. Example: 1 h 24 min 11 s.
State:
5 h 18 min 50 s
